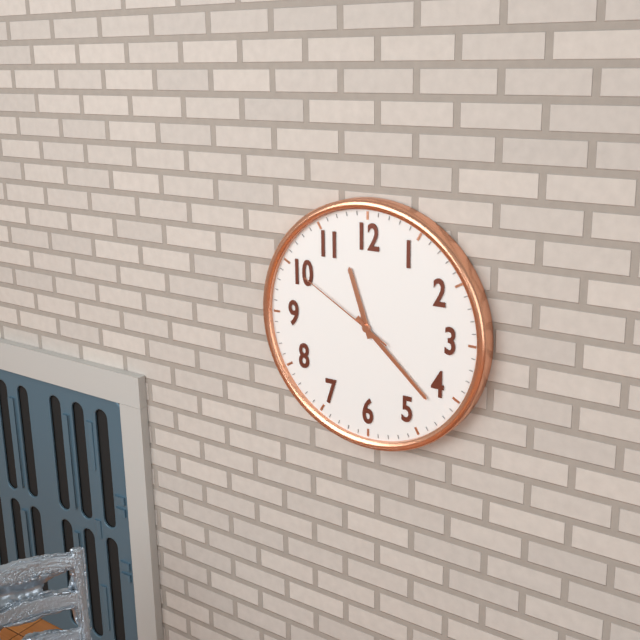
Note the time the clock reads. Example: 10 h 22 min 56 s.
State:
11 h 22 min 50 s
